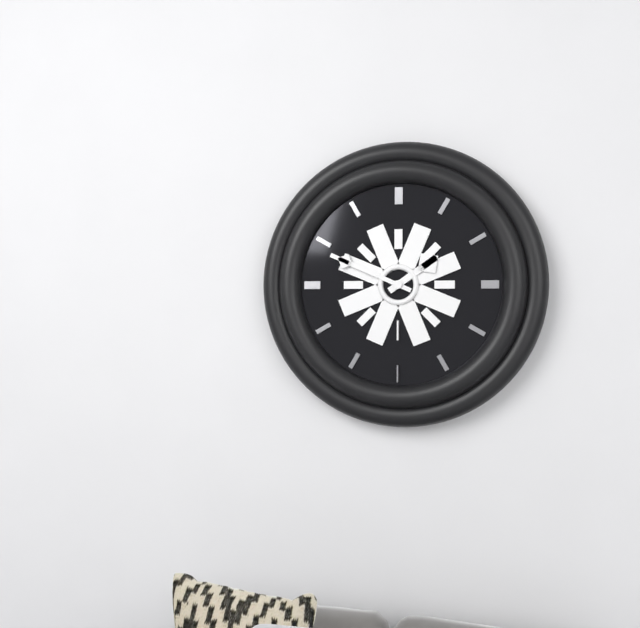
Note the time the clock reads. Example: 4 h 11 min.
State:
1 h 49 min
